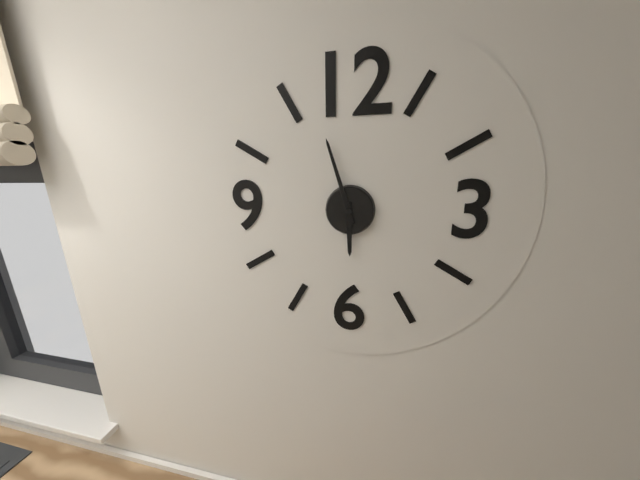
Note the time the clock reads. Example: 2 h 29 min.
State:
5 h 57 min
